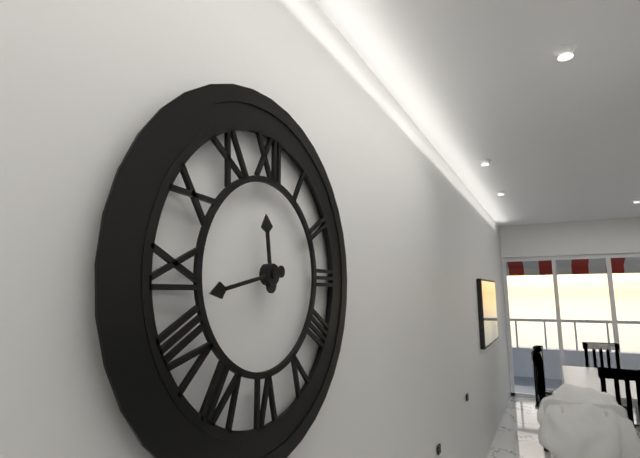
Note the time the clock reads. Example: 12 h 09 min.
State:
11 h 43 min
